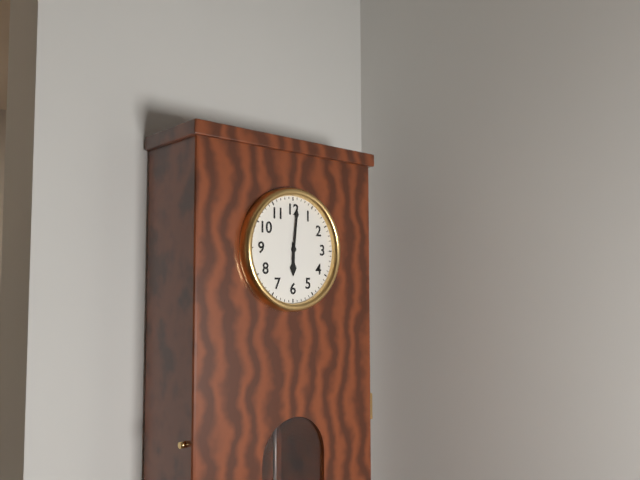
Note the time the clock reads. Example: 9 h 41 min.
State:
6 h 01 min
